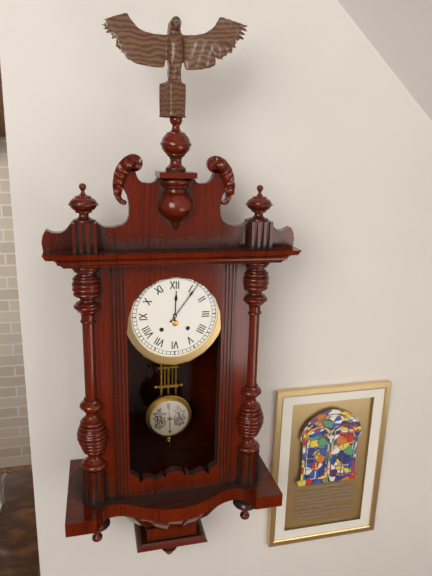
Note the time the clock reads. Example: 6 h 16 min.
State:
12 h 06 min
